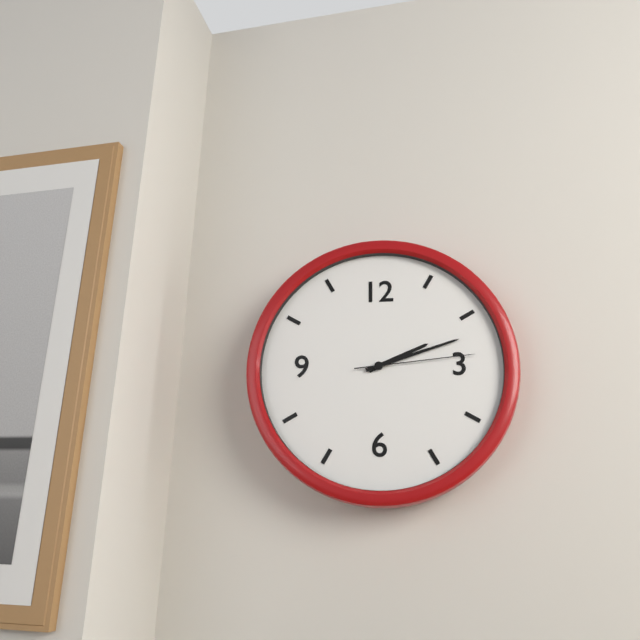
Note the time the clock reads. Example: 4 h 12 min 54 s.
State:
2 h 12 min 14 s
